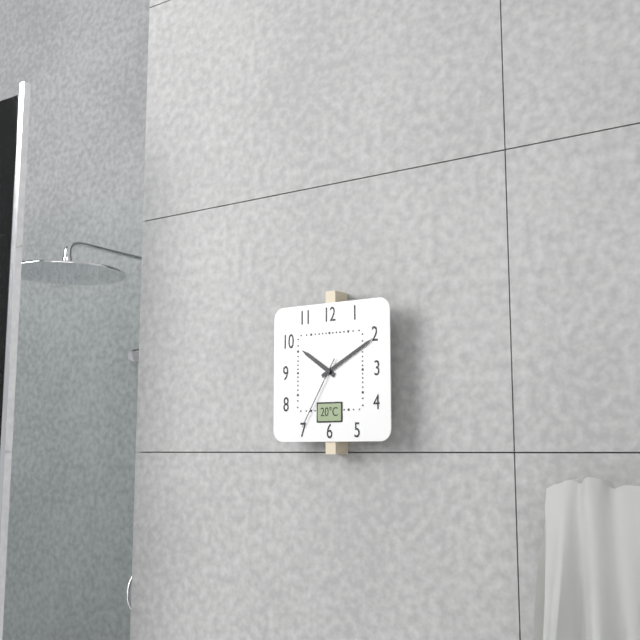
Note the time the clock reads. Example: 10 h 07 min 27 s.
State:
10 h 10 min 35 s
